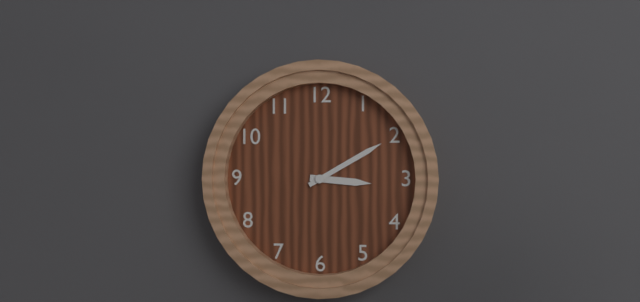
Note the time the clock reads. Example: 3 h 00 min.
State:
3 h 10 min
